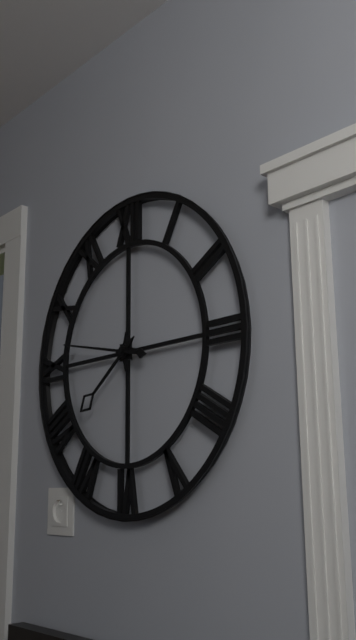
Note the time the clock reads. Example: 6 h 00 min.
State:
7 h 47 min
